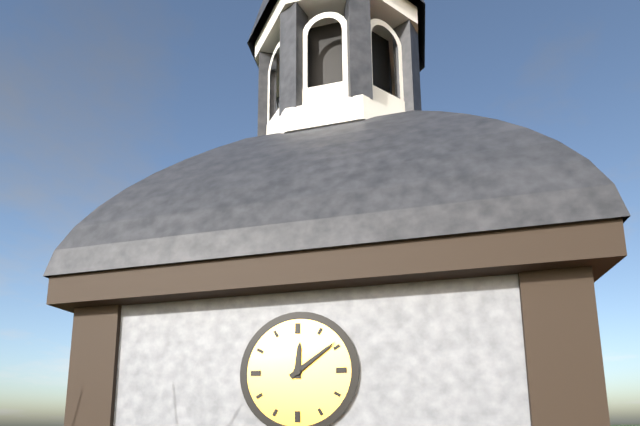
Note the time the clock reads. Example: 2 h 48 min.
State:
12 h 09 min
